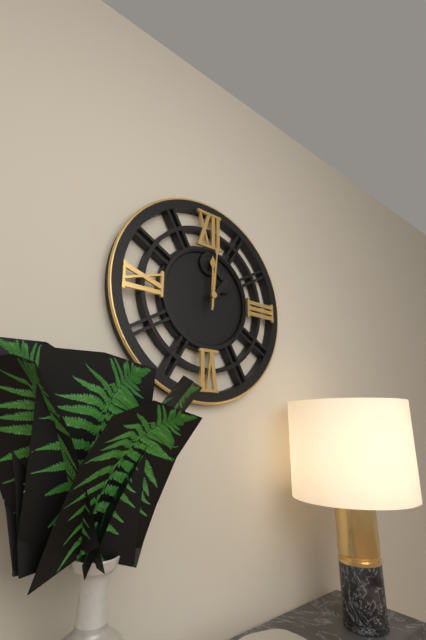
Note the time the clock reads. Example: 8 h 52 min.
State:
12 h 01 min
